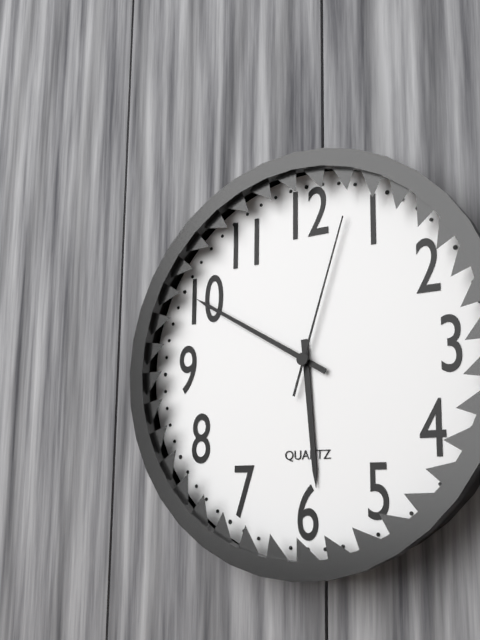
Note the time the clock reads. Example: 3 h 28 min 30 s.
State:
5 h 50 min 03 s
